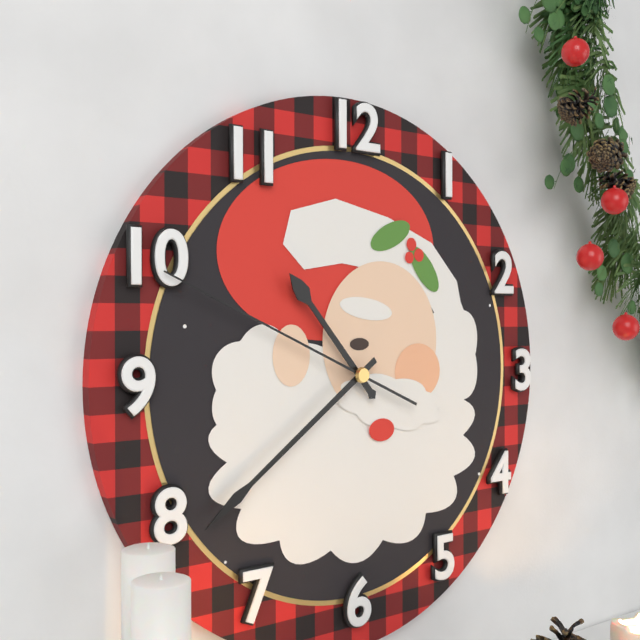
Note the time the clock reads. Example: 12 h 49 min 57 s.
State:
10 h 39 min 49 s
